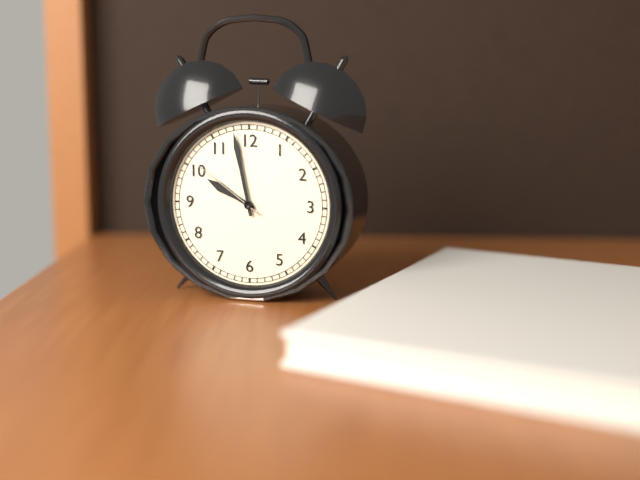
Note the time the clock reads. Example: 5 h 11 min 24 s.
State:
9 h 58 min 51 s
